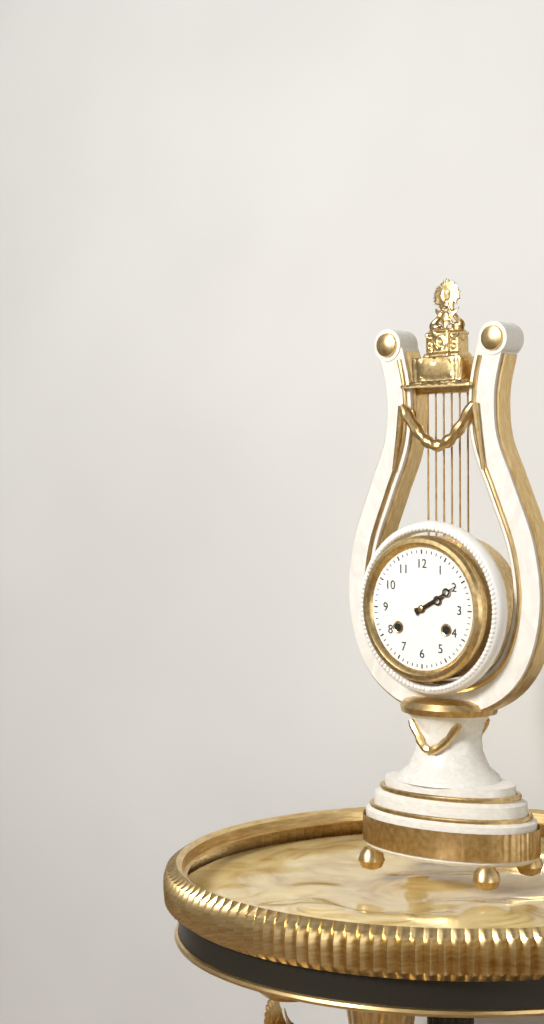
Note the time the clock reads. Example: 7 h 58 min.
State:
2 h 10 min
